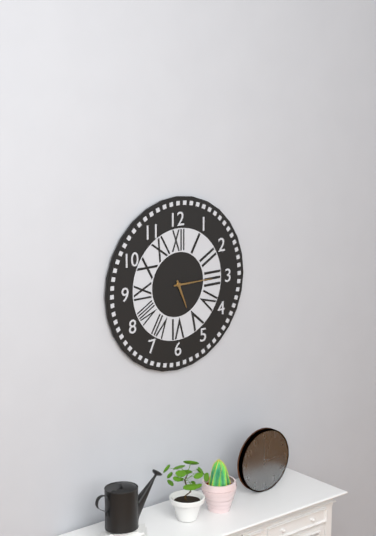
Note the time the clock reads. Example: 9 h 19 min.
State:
5 h 15 min
